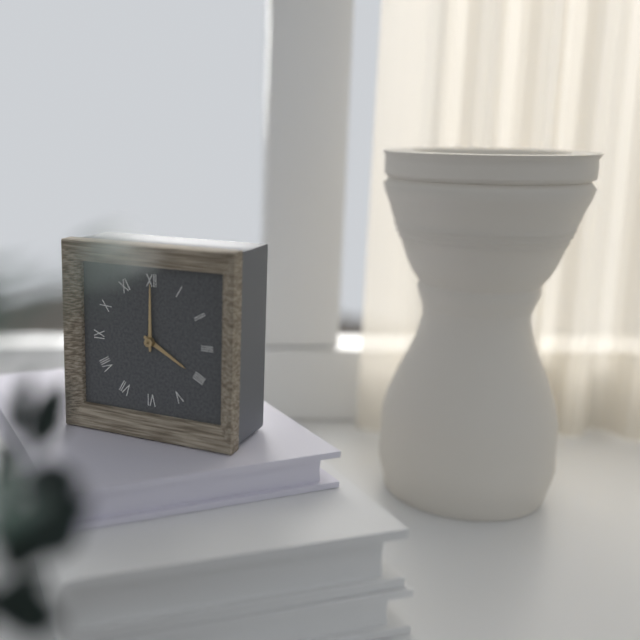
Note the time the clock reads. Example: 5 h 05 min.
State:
4 h 00 min
